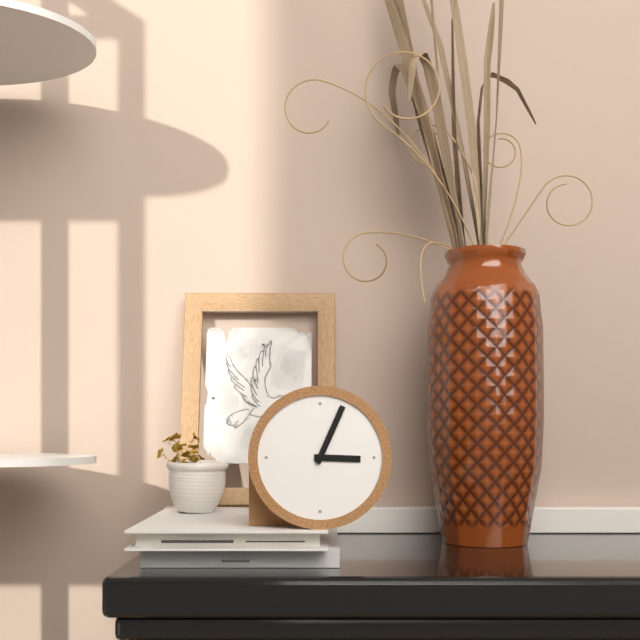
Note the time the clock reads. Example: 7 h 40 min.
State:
3 h 04 min
